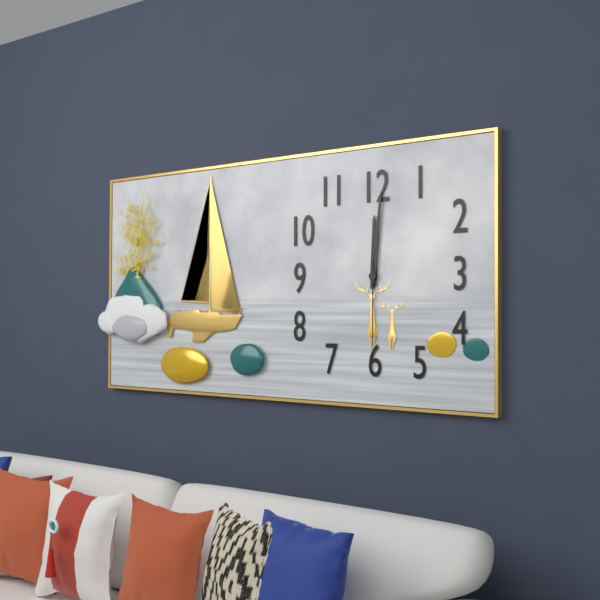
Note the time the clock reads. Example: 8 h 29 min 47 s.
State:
12 h 01 min 30 s
